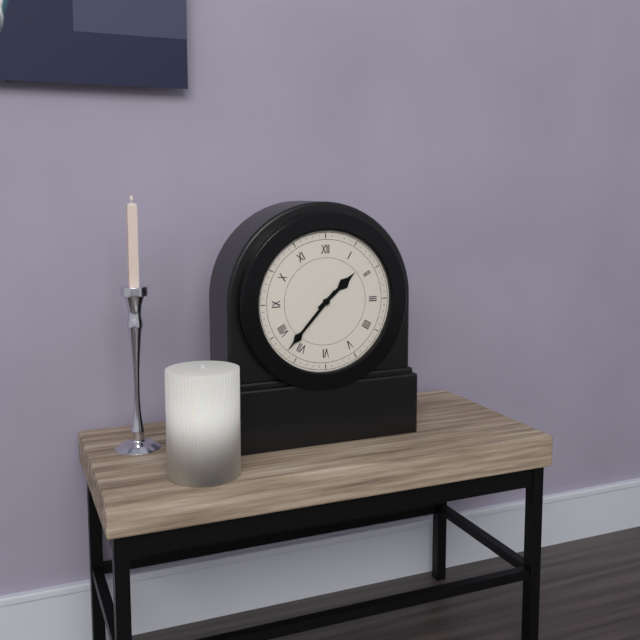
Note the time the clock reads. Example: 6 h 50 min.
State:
1 h 37 min
